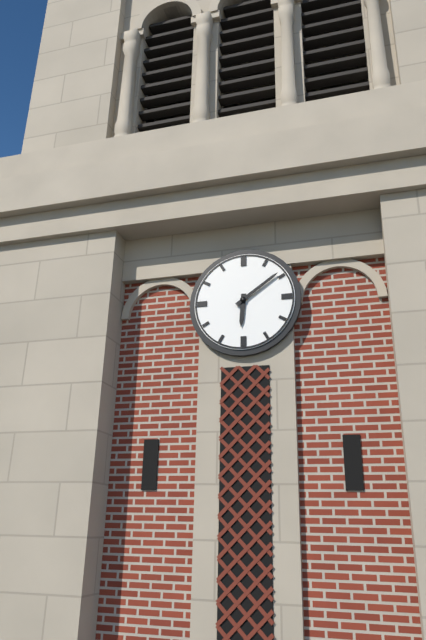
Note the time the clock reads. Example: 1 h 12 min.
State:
6 h 09 min
